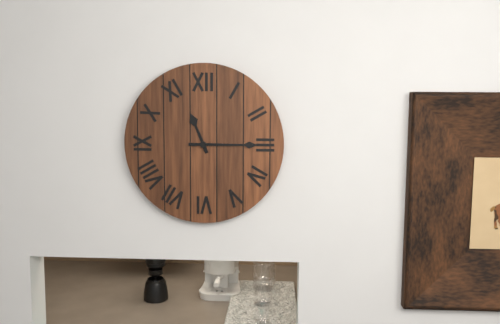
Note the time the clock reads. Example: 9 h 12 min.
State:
11 h 15 min
